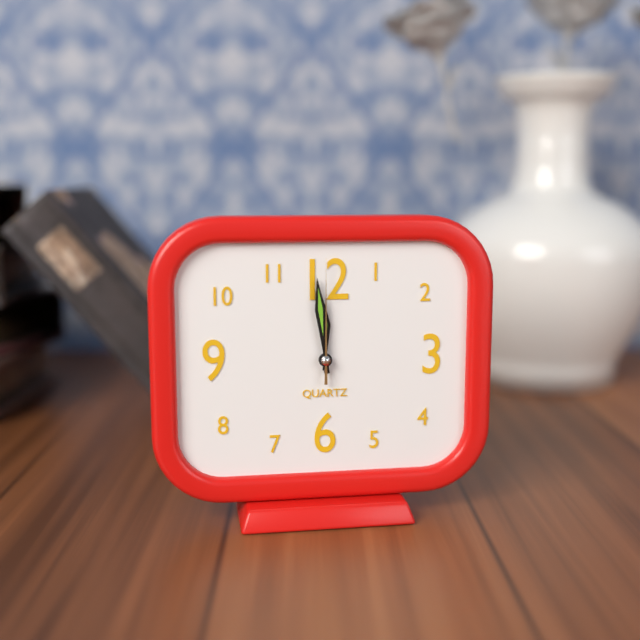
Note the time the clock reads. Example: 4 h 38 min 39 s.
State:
11 h 59 min 00 s
